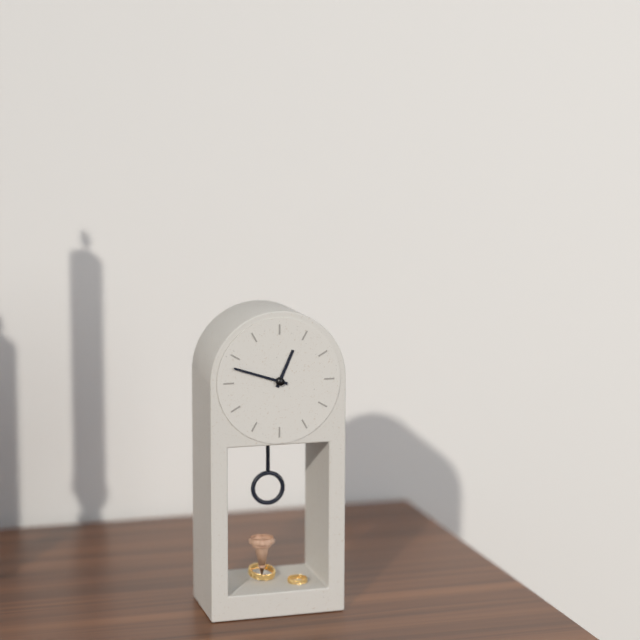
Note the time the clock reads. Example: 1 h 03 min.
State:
12 h 48 min
